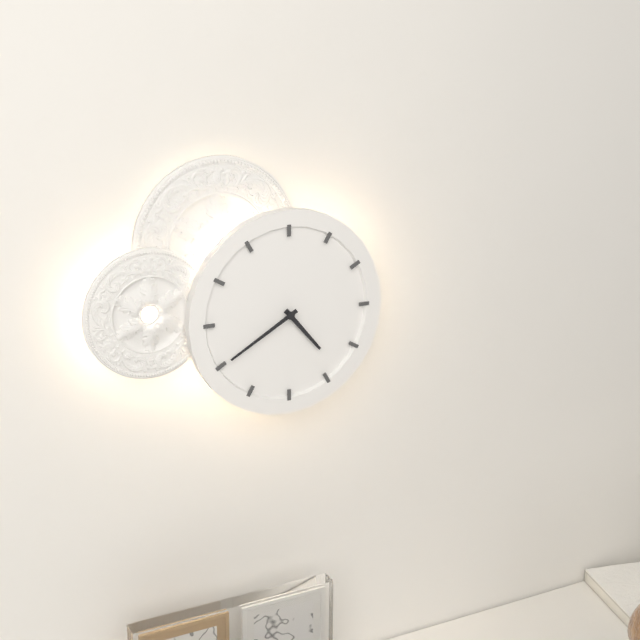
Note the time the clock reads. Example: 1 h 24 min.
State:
4 h 40 min
